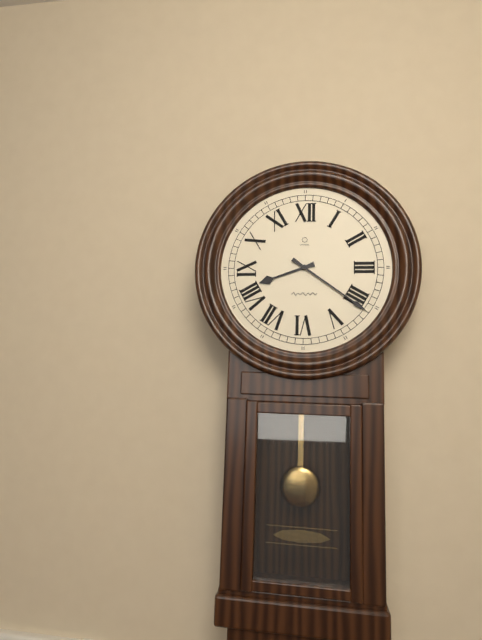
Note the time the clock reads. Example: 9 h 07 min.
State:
8 h 21 min
